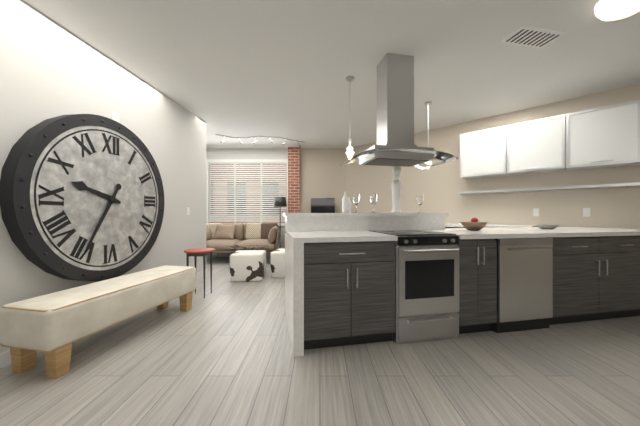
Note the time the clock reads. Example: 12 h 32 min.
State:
9 h 35 min
